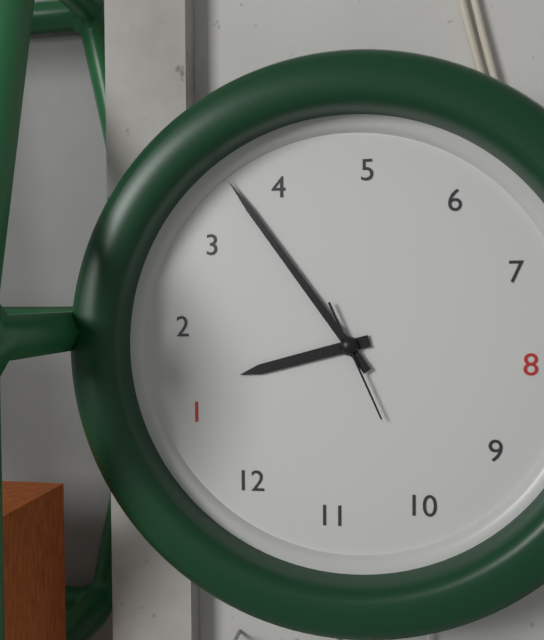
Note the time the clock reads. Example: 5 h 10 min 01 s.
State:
1 h 18 min 50 s
